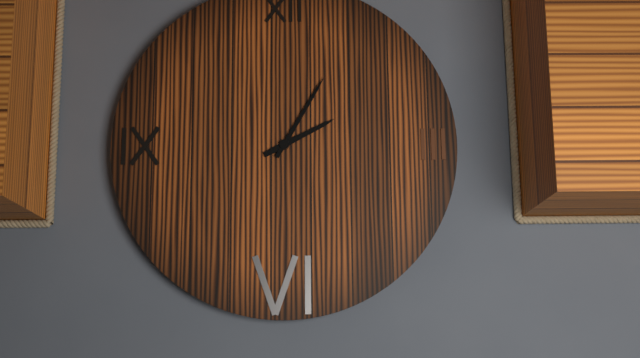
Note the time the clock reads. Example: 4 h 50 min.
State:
2 h 05 min
